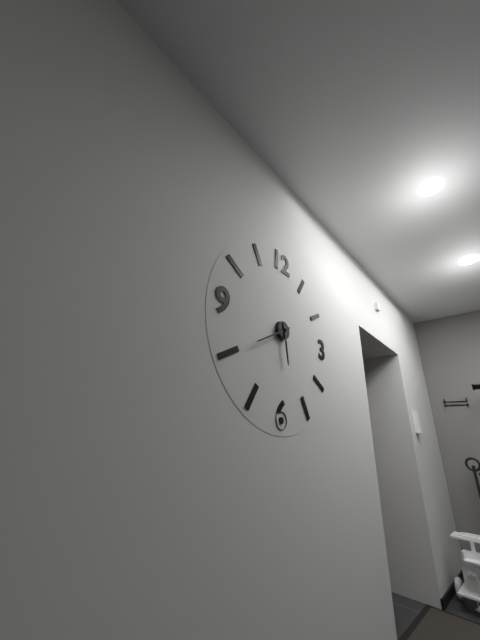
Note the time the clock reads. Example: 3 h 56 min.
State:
5 h 40 min
